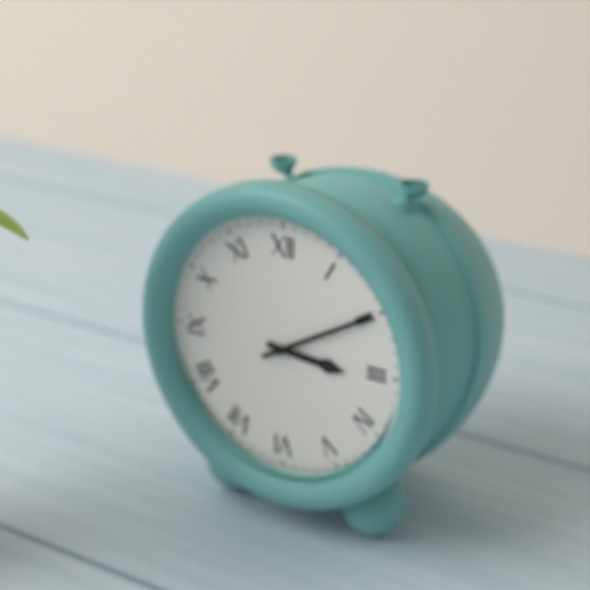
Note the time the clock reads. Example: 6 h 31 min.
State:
3 h 10 min
